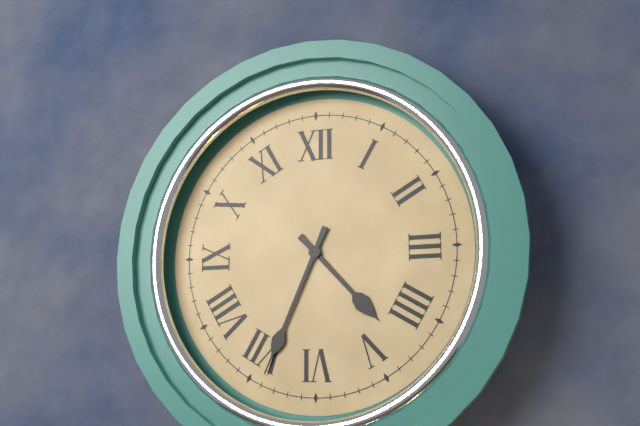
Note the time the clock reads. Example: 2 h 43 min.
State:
4 h 34 min
